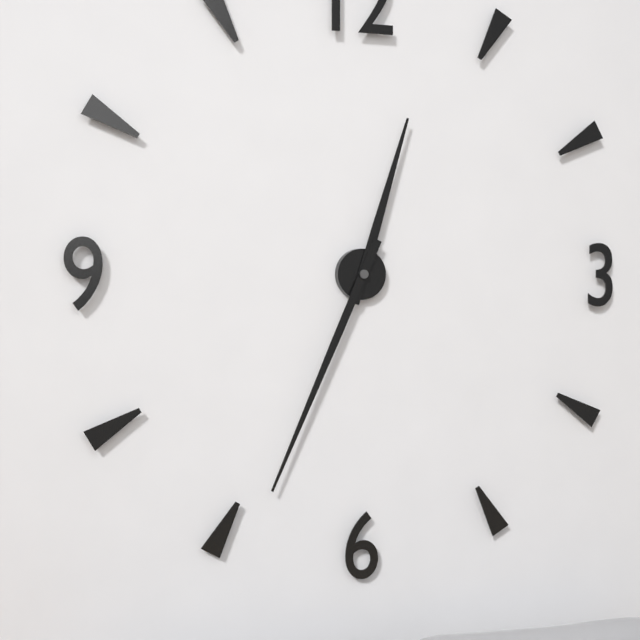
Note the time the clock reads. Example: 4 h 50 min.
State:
12 h 34 min
